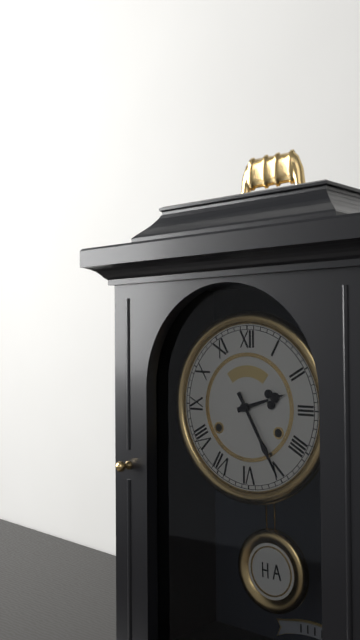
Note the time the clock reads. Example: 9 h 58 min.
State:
2 h 25 min
